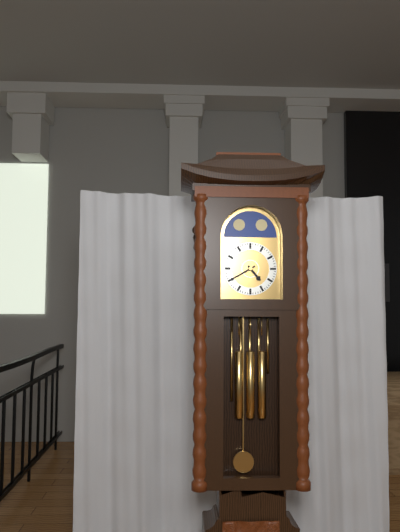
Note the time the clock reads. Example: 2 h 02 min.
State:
4 h 40 min
